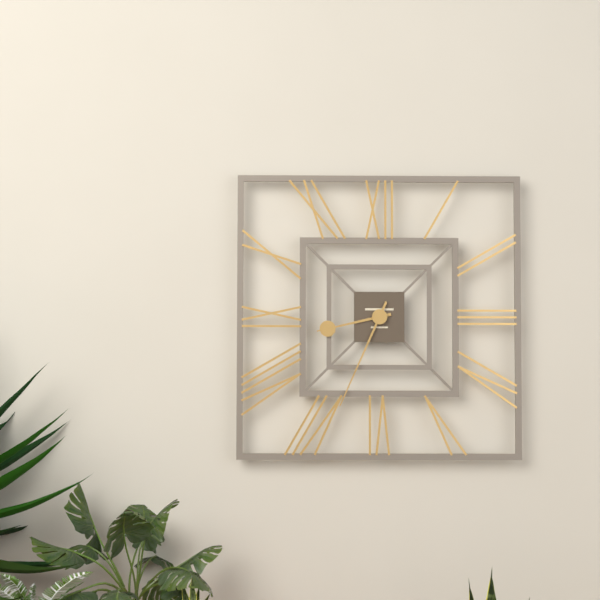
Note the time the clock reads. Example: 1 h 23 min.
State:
8 h 34 min
